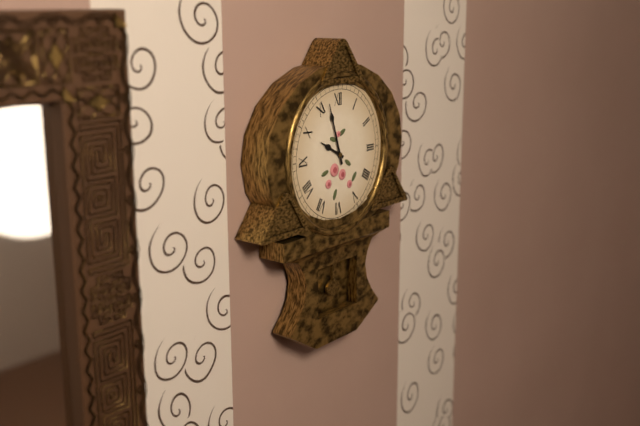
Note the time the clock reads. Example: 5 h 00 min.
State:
9 h 57 min
